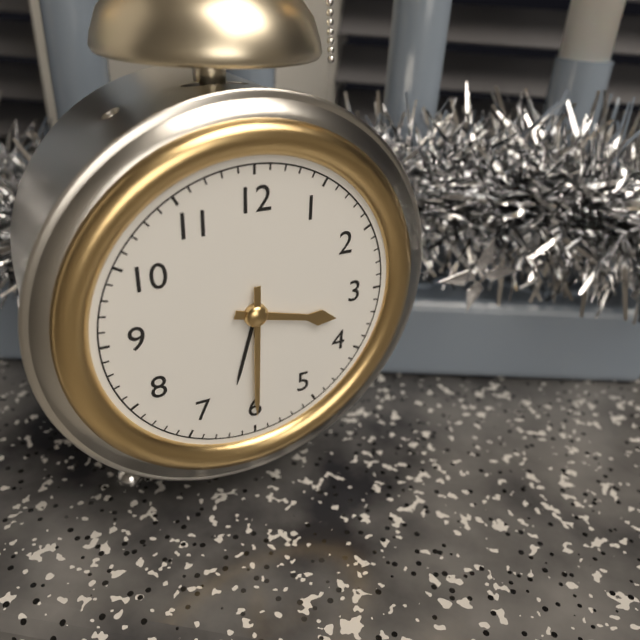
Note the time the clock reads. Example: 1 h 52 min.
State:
3 h 30 min
